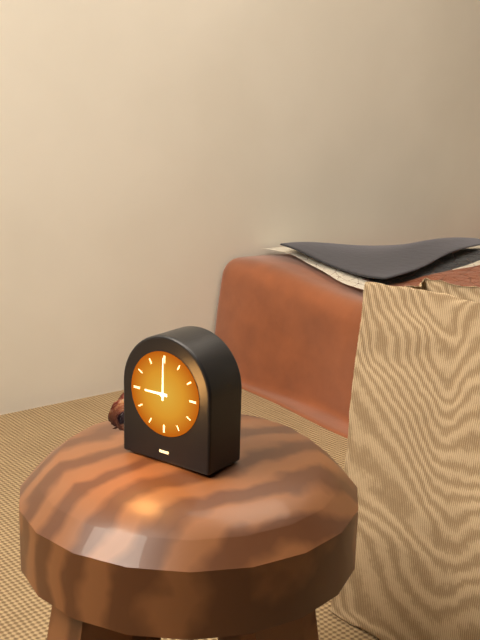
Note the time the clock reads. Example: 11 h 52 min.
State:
9 h 00 min
